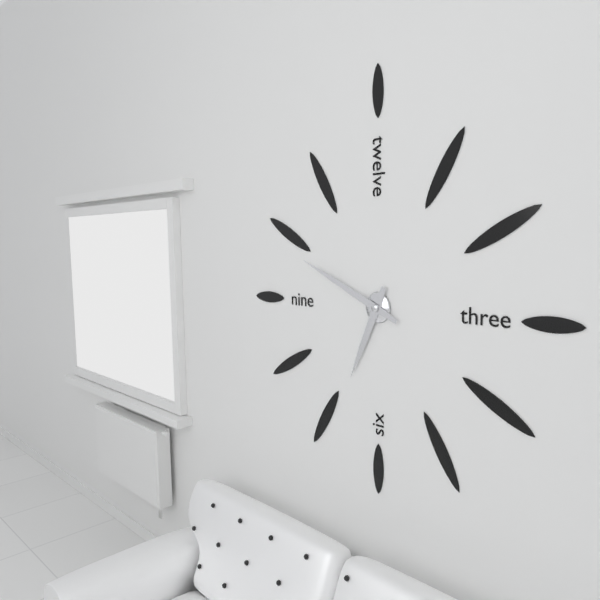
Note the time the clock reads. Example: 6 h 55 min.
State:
6 h 49 min
